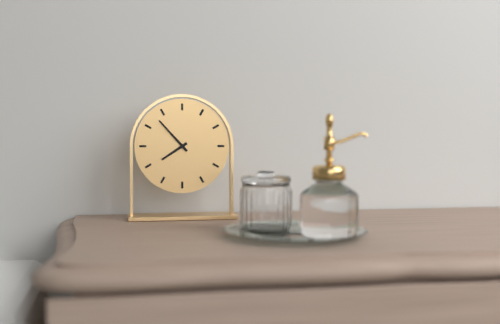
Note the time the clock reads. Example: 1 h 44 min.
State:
7 h 53 min
